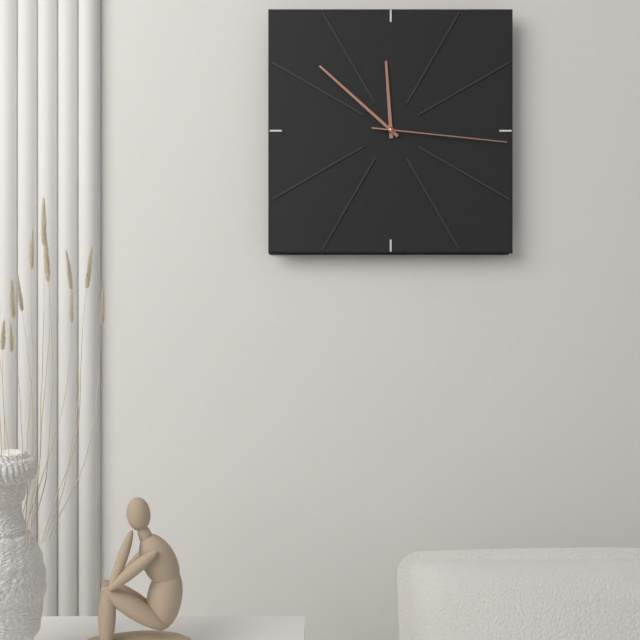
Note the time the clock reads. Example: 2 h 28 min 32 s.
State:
11 h 52 min 16 s
